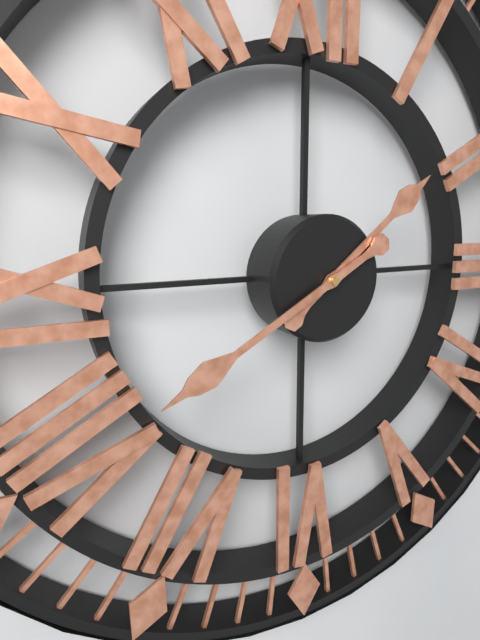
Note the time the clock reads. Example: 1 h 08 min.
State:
1 h 40 min
